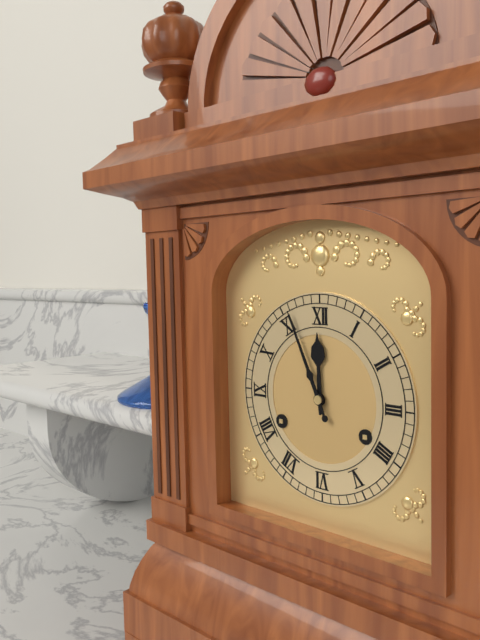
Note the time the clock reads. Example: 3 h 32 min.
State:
11 h 56 min
